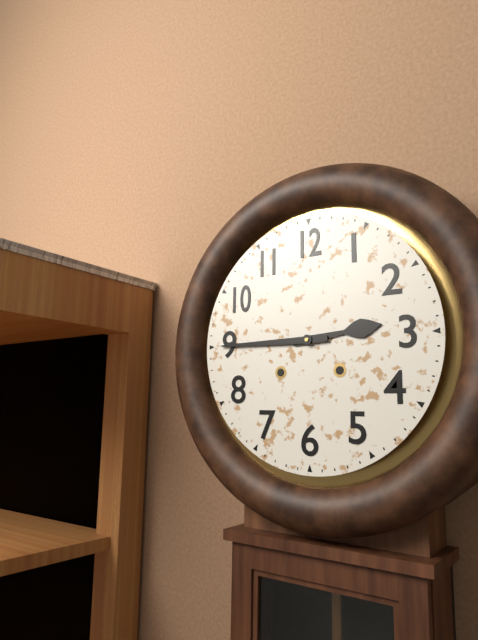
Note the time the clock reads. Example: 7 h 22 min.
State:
2 h 45 min
